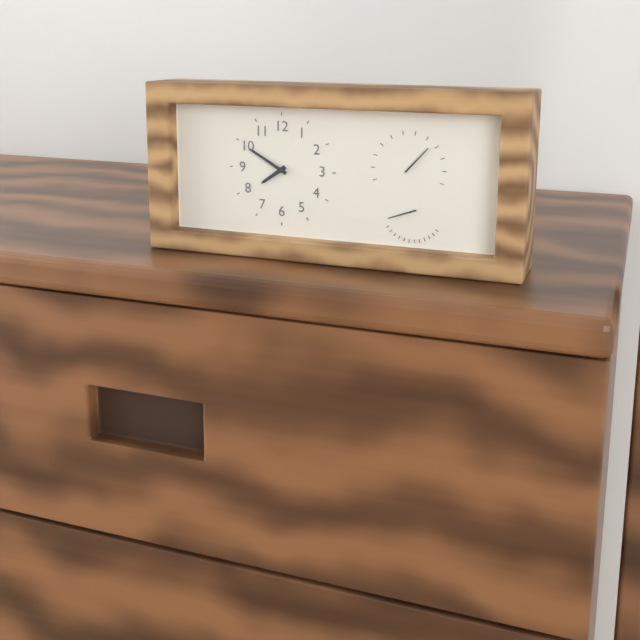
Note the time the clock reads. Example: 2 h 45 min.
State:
7 h 50 min
